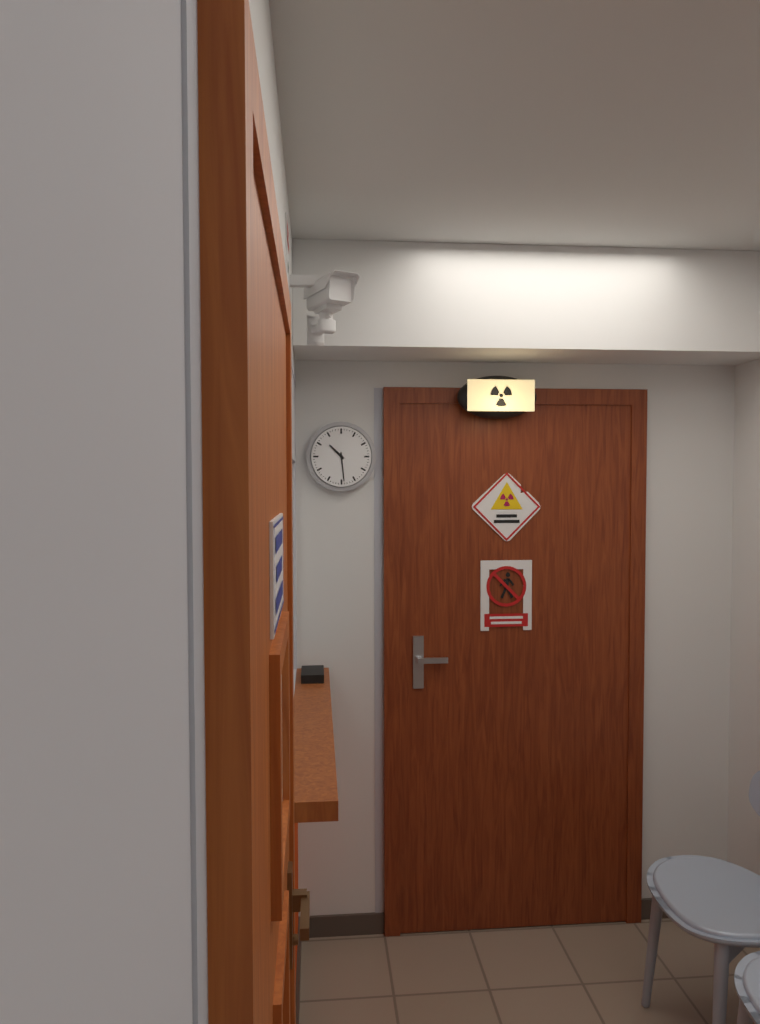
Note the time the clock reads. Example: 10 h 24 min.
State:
10 h 29 min
